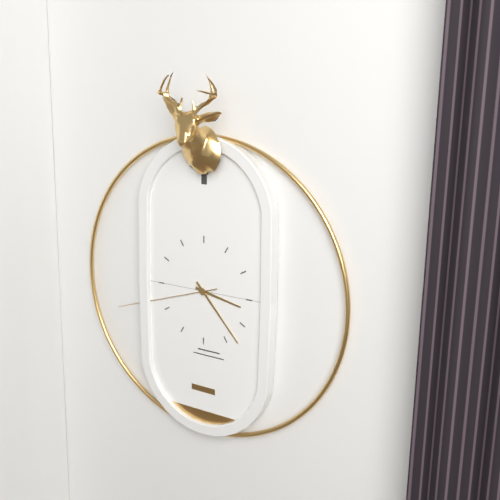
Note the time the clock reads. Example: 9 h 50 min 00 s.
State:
3 h 23 min 42 s
